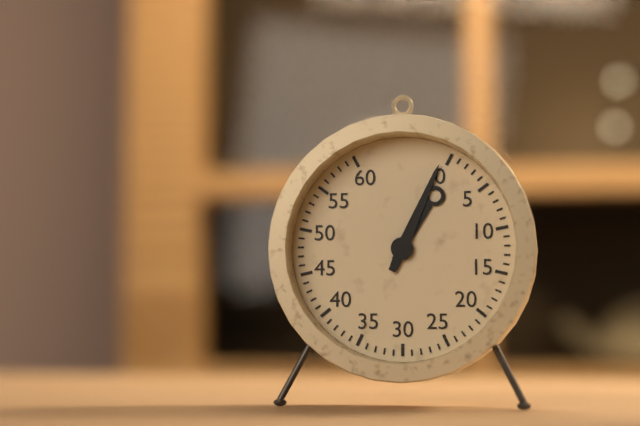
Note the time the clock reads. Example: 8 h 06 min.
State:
1 h 04 min
